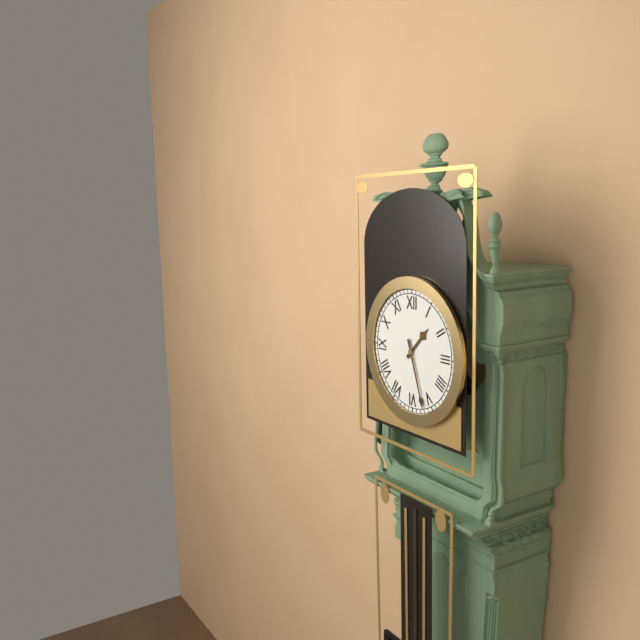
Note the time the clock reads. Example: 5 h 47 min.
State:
1 h 27 min
